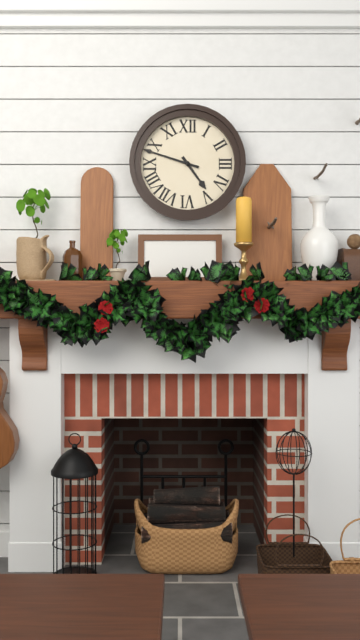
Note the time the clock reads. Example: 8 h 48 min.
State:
4 h 48 min
